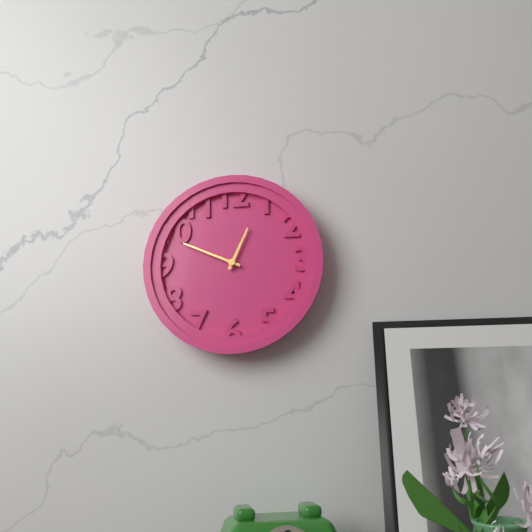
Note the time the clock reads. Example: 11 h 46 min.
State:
12 h 49 min
